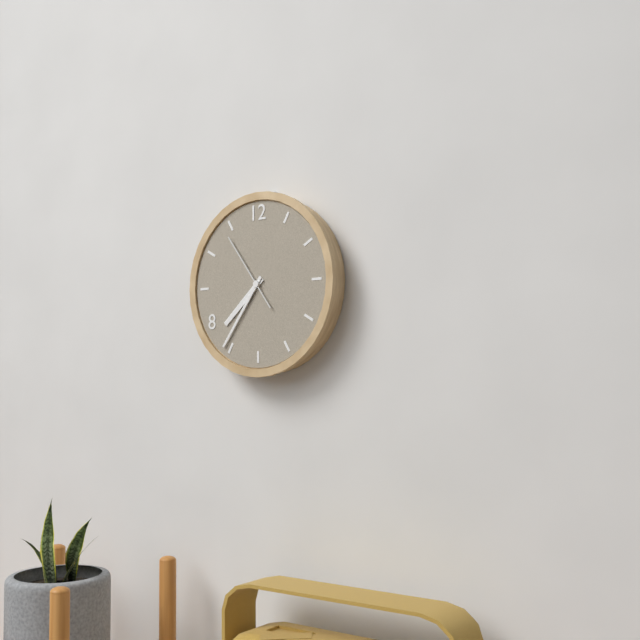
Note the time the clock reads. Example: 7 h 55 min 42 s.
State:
7 h 36 min 54 s
